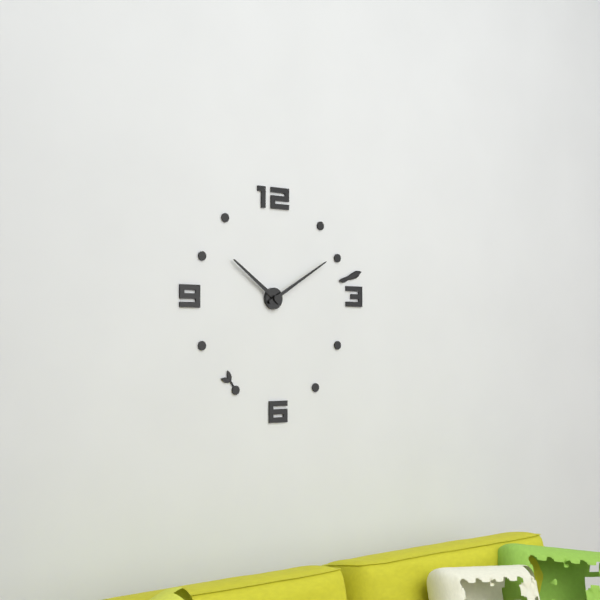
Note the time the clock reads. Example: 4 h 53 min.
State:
10 h 10 min
